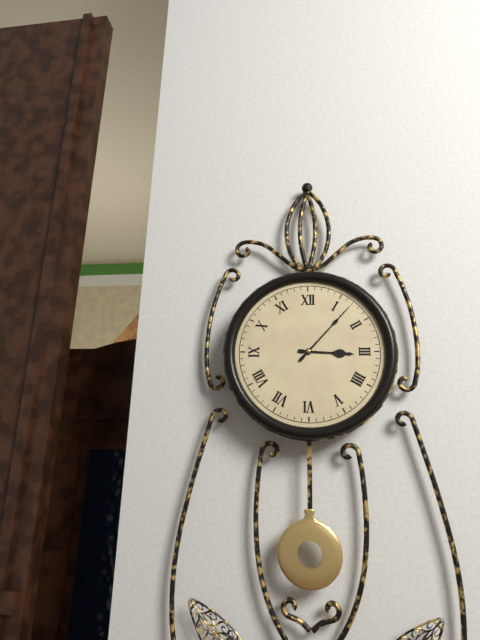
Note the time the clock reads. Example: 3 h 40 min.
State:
3 h 07 min
